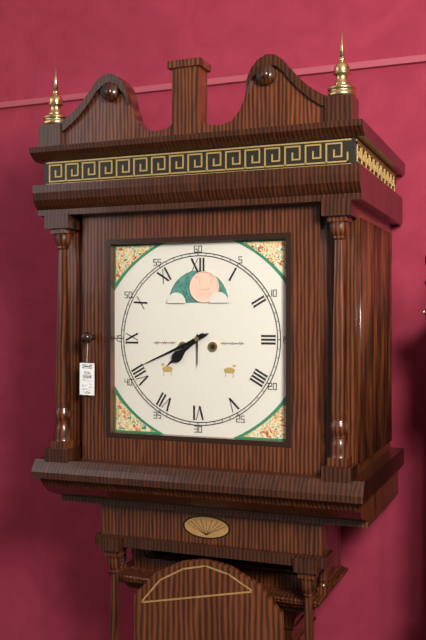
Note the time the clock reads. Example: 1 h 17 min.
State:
7 h 41 min
